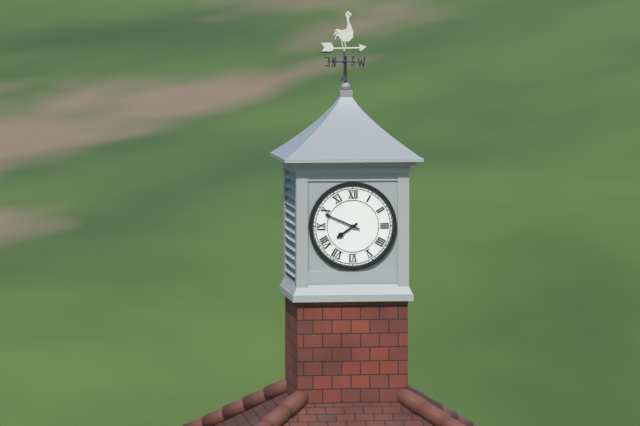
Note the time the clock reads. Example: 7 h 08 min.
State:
7 h 49 min
